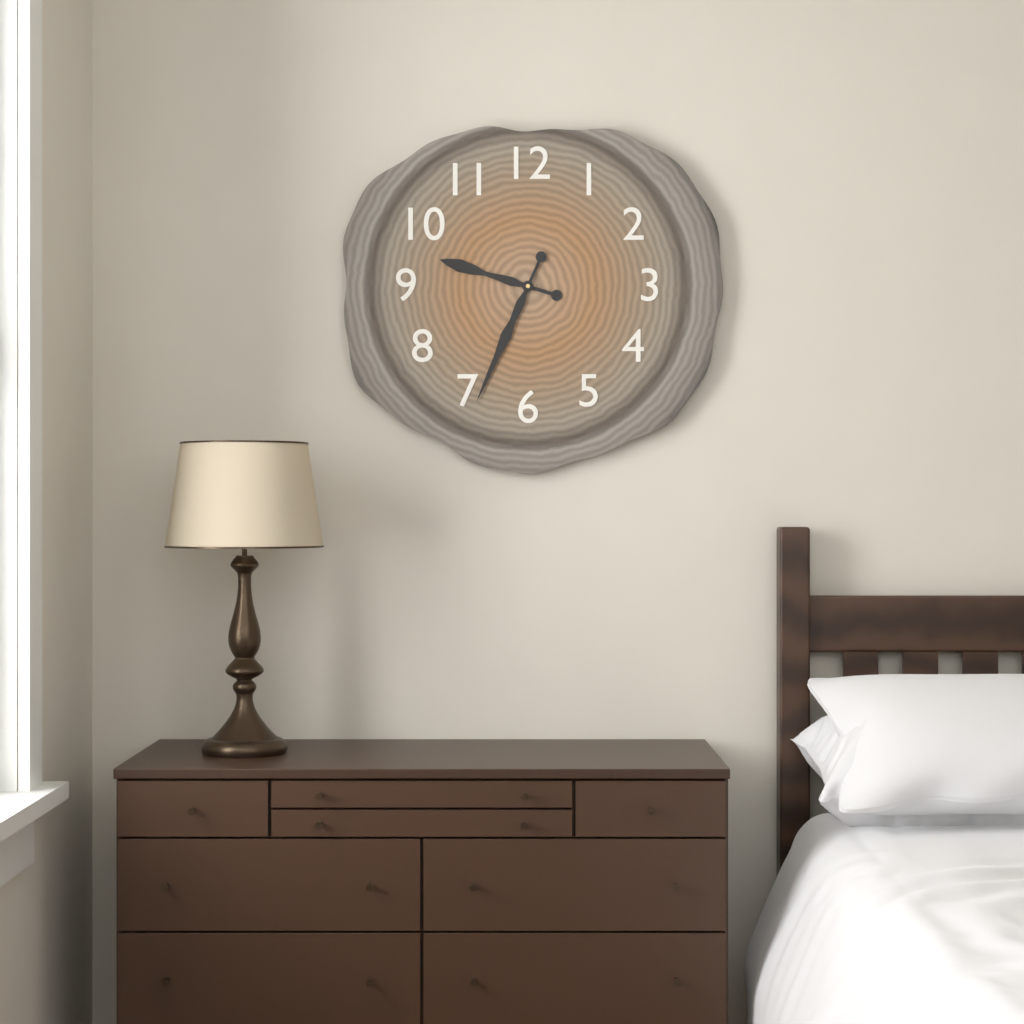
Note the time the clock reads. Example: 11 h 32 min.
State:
9 h 34 min
